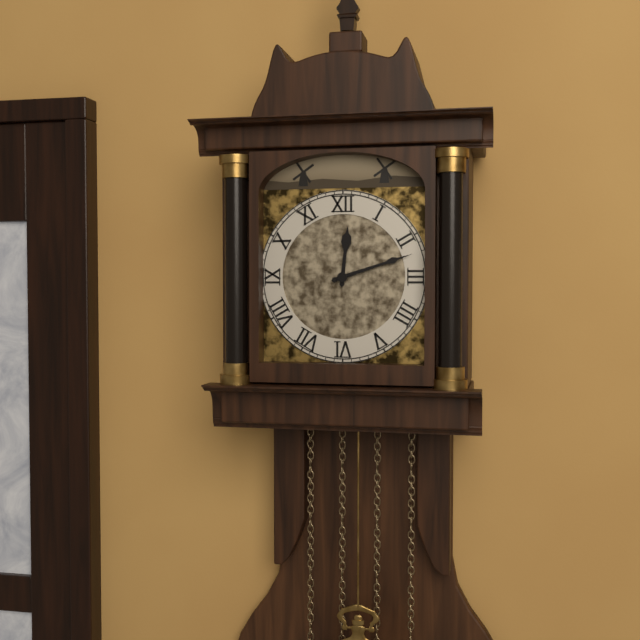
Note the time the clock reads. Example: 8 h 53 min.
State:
12 h 12 min
